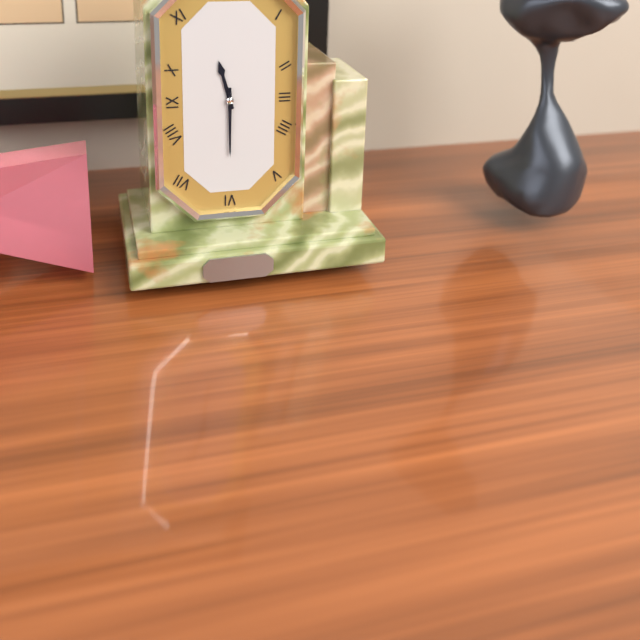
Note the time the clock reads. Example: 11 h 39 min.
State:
11 h 30 min
